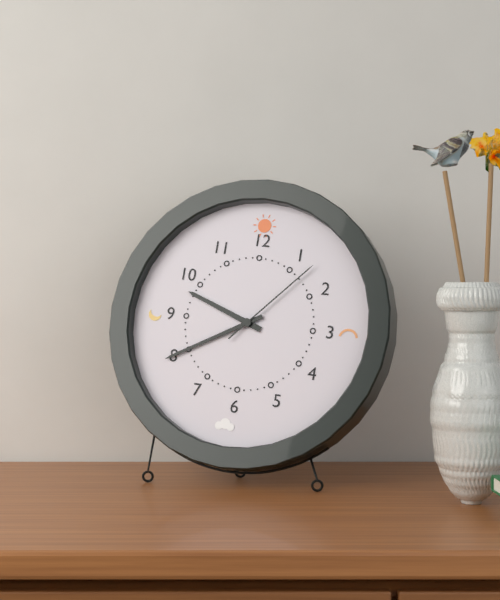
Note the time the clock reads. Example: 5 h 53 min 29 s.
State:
9 h 40 min 07 s
